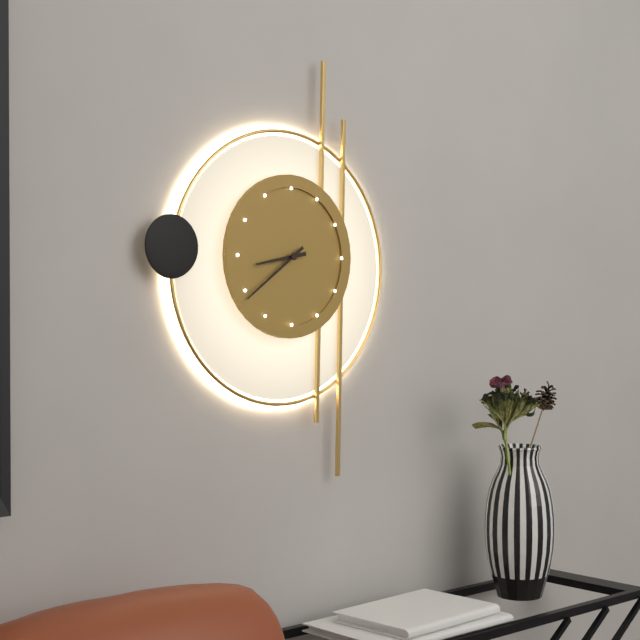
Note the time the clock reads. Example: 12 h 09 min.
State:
8 h 39 min
